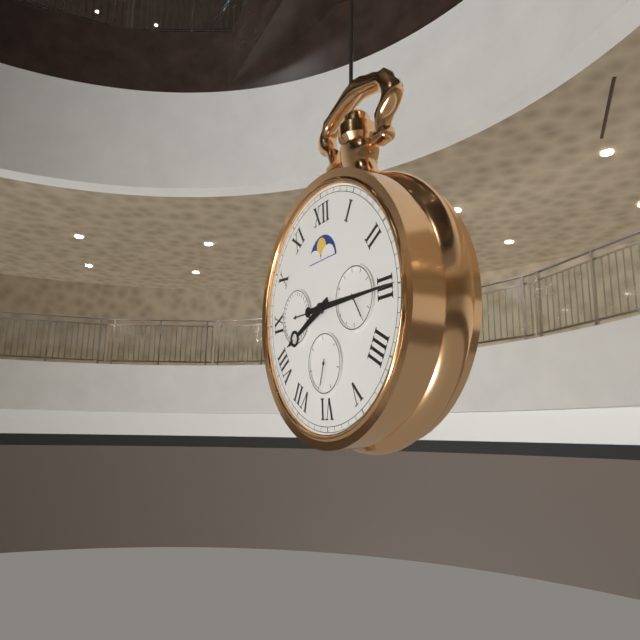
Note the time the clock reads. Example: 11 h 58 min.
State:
8 h 15 min
